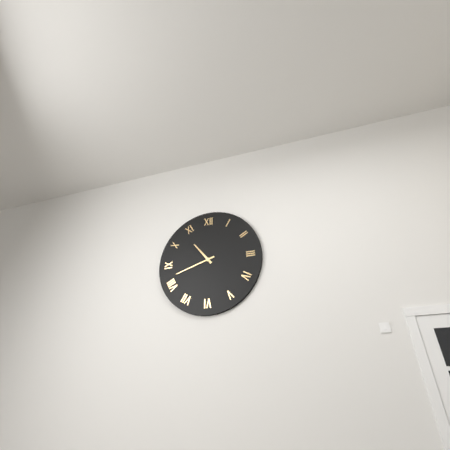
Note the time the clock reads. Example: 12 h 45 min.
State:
10 h 42 min
